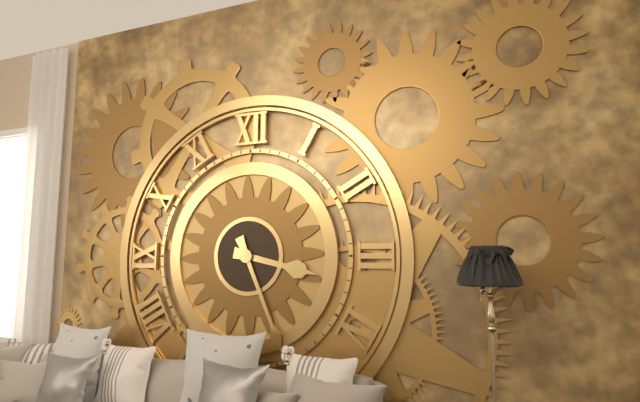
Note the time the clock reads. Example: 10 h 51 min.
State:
3 h 26 min
